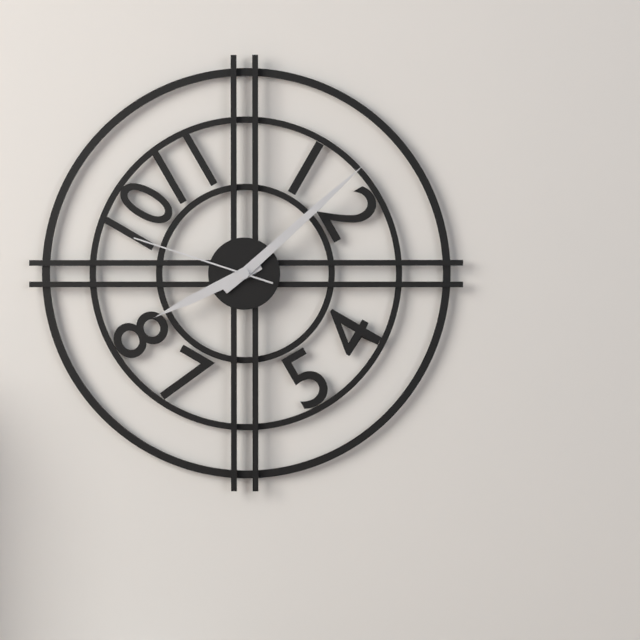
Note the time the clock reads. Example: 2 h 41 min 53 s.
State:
8 h 08 min 48 s
